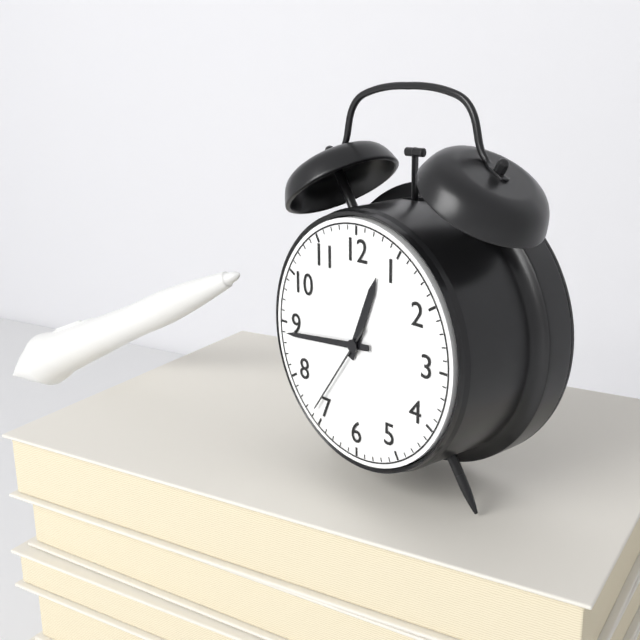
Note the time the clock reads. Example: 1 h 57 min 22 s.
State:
12 h 44 min 36 s
